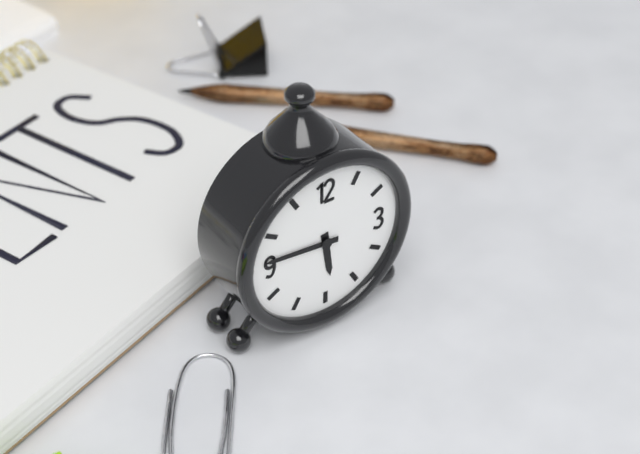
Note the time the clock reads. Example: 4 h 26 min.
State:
5 h 46 min
